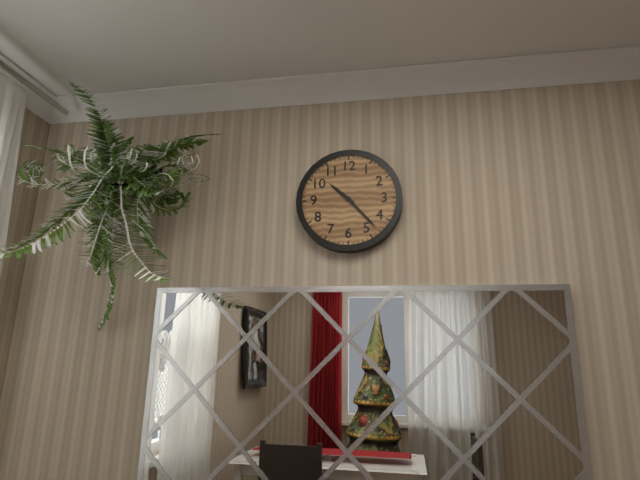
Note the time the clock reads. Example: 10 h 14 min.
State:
10 h 23 min
